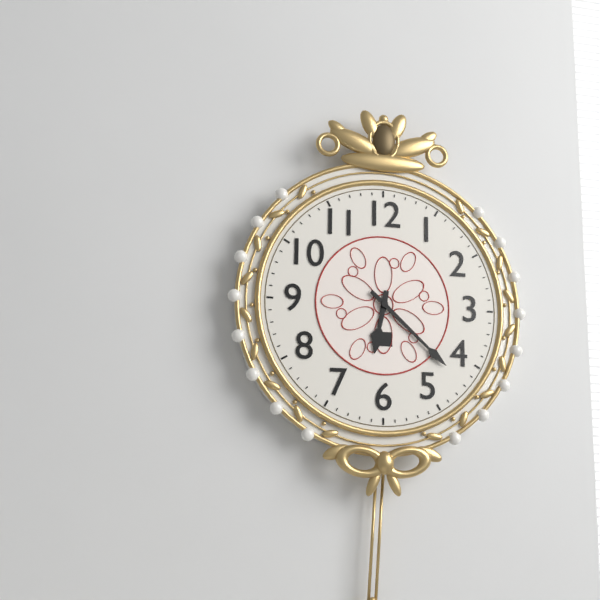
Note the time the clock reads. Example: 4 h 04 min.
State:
6 h 22 min
